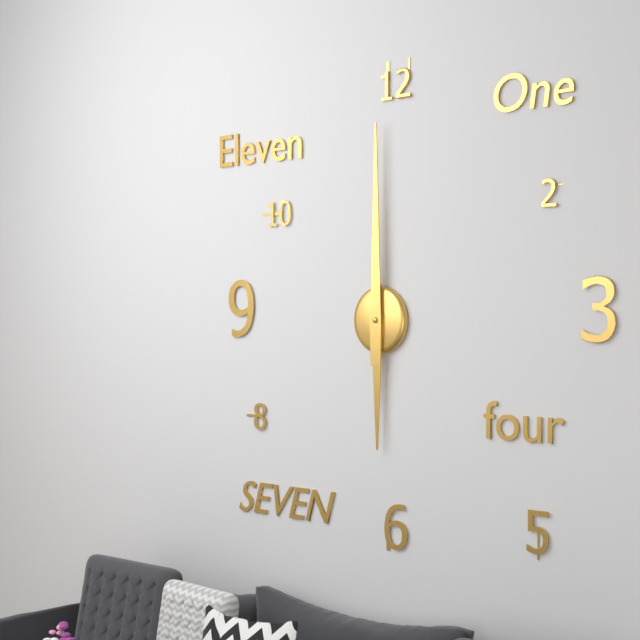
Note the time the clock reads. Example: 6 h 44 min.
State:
6 h 00 min
